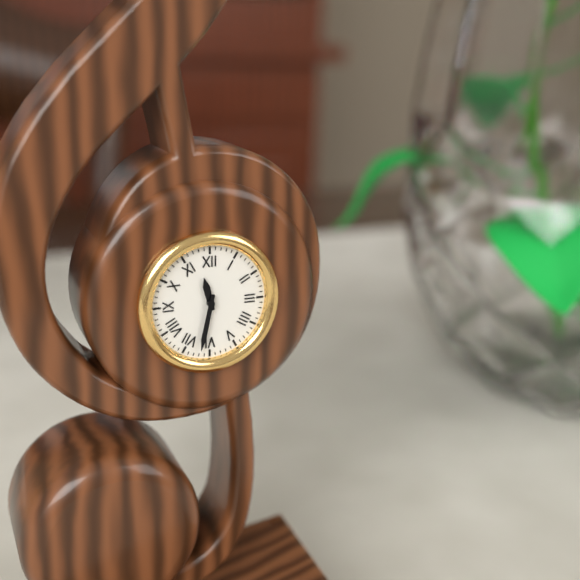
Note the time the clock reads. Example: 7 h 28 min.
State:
11 h 32 min
